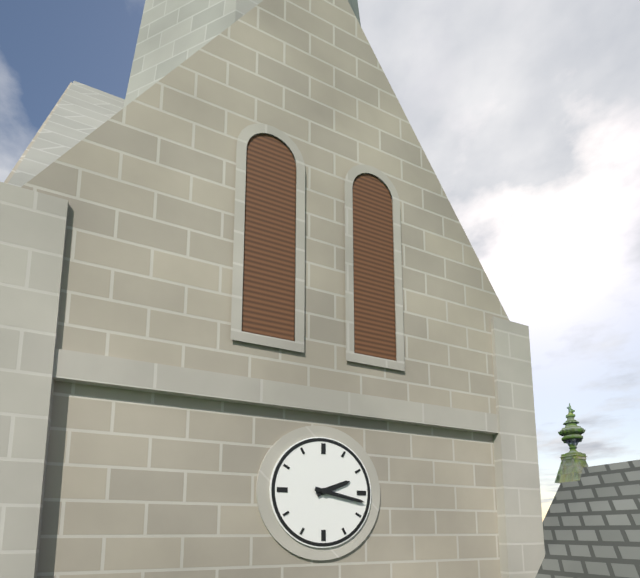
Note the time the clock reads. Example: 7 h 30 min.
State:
2 h 17 min
